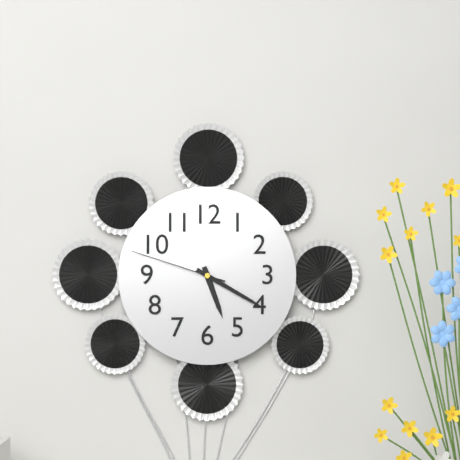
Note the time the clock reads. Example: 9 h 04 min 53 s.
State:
5 h 20 min 48 s
